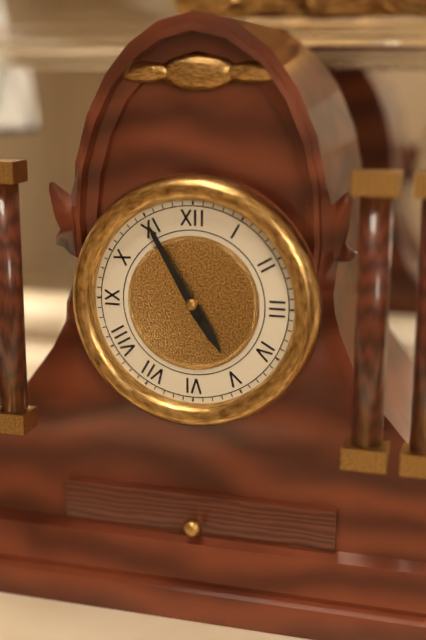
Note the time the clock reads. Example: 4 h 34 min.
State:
4 h 55 min
